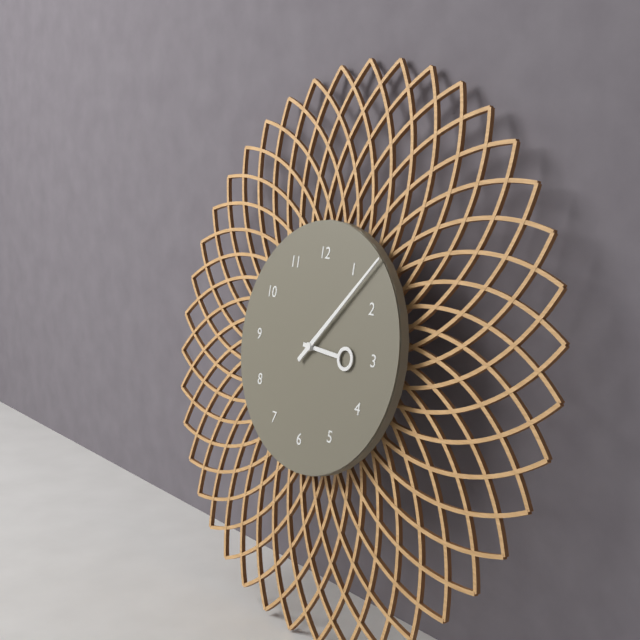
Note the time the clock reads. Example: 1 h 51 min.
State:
3 h 07 min
